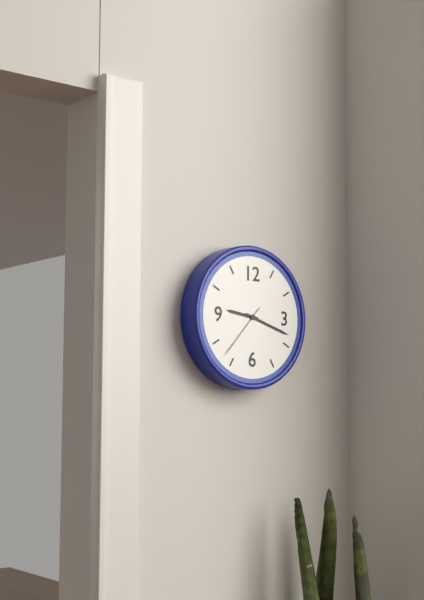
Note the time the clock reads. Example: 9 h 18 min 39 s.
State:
9 h 18 min 37 s
